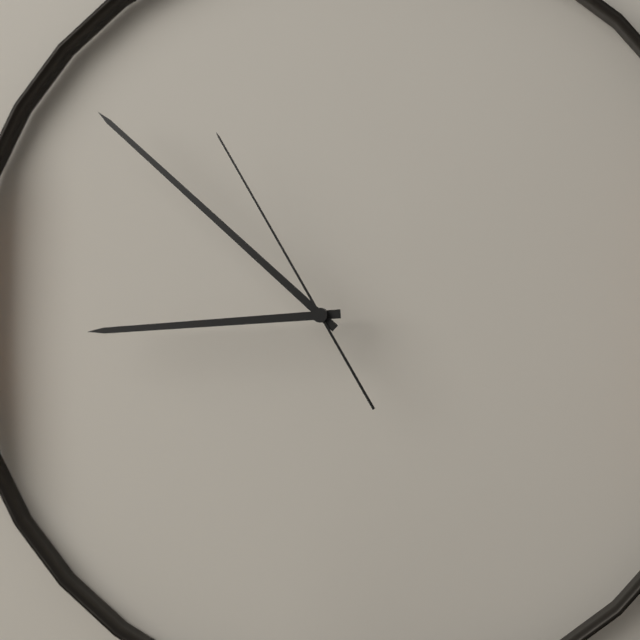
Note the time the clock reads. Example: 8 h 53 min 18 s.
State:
8 h 52 min 55 s
